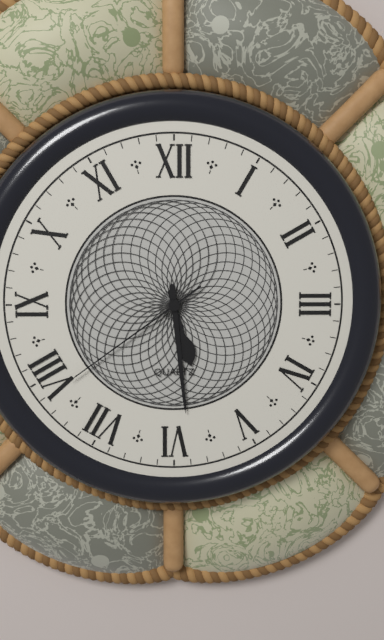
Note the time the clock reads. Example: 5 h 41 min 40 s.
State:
5 h 29 min 39 s
